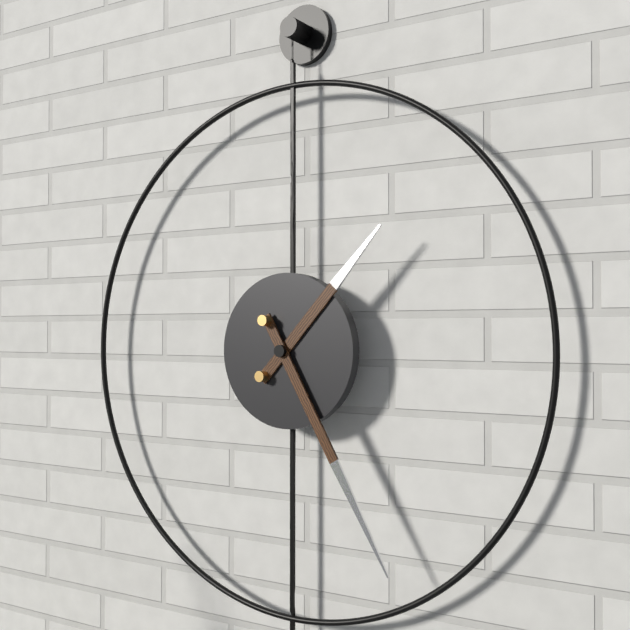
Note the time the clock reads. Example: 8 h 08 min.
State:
1 h 25 min
